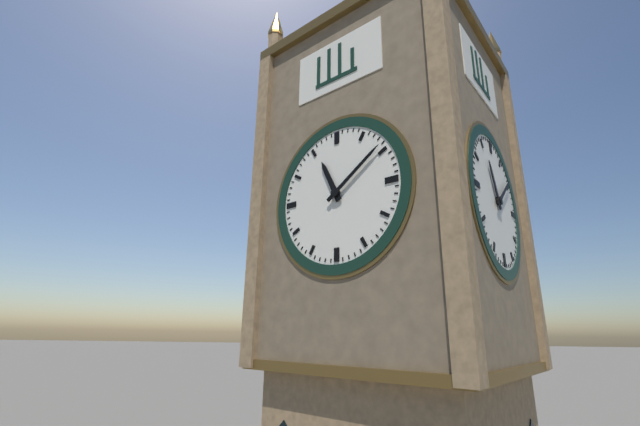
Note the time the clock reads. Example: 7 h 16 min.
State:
11 h 09 min
